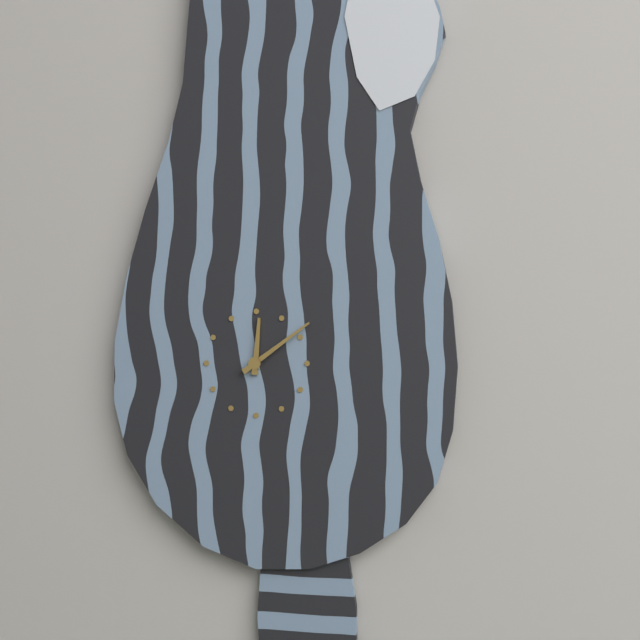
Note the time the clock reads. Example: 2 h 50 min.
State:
12 h 09 min
